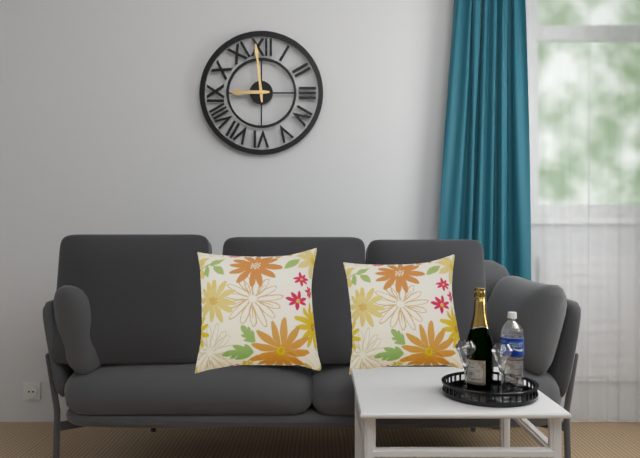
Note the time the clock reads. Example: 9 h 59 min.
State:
8 h 59 min
